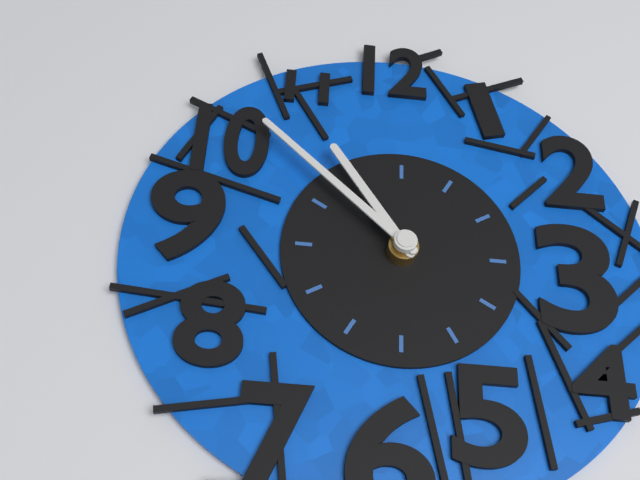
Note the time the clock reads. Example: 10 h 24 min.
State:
10 h 52 min
